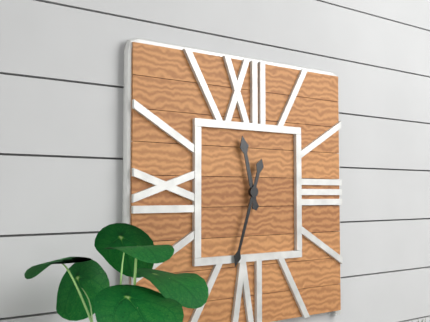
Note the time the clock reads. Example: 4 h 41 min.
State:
11 h 33 min
